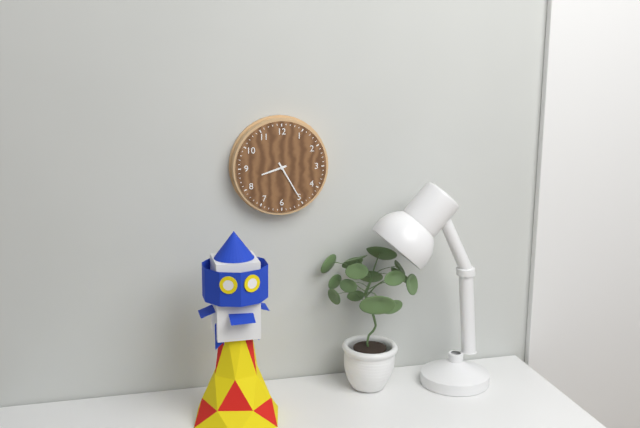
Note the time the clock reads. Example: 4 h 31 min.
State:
8 h 25 min
